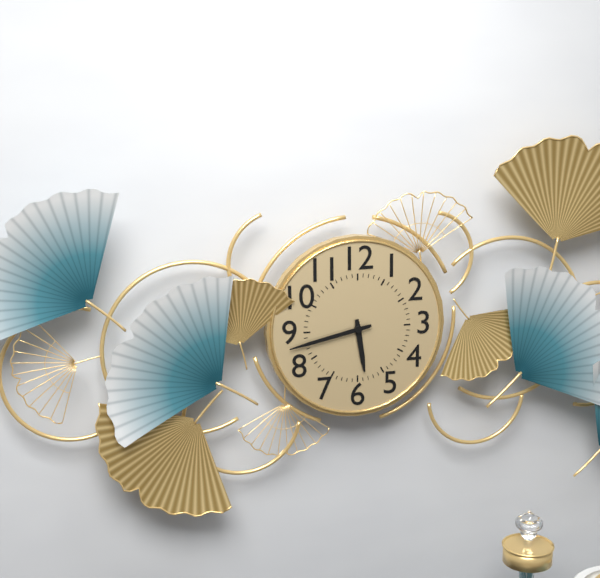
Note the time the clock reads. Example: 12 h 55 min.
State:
5 h 43 min
